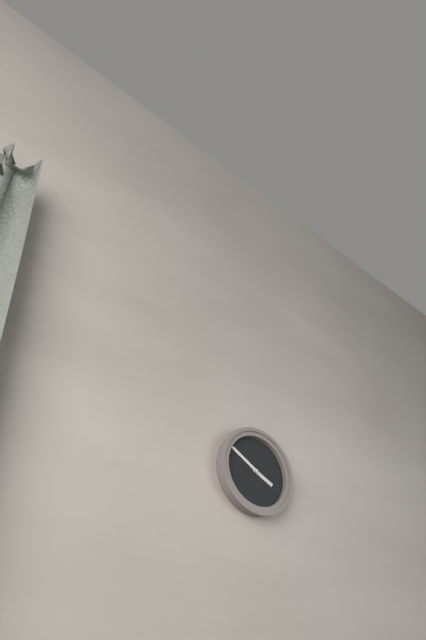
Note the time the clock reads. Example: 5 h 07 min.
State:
3 h 50 min
